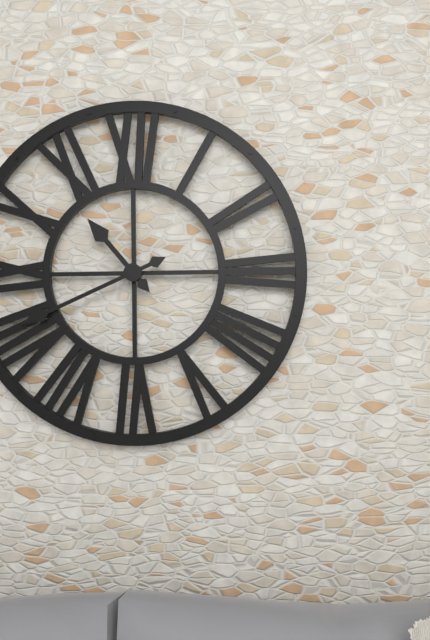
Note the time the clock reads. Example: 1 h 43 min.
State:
10 h 41 min
